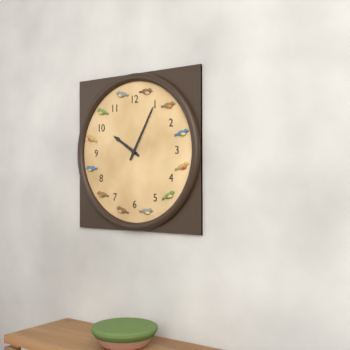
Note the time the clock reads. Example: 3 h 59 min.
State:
10 h 05 min
